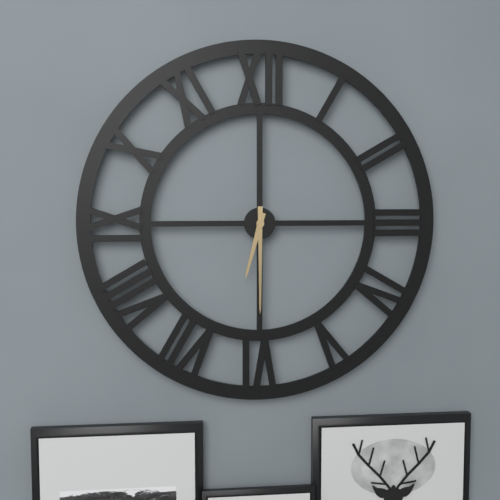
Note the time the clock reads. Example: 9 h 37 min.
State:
6 h 30 min
